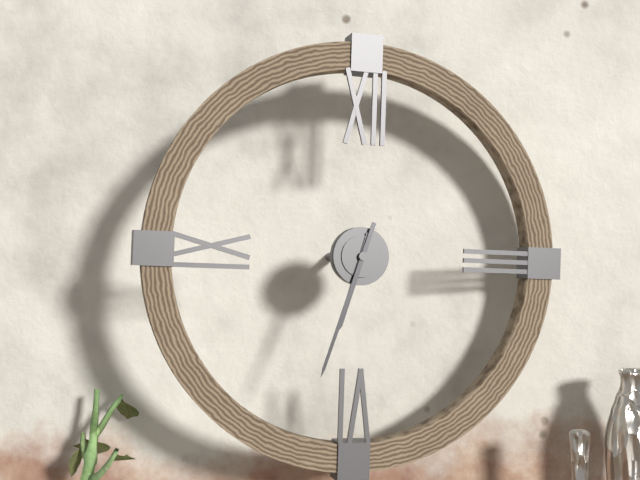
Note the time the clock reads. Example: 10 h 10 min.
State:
6 h 33 min
